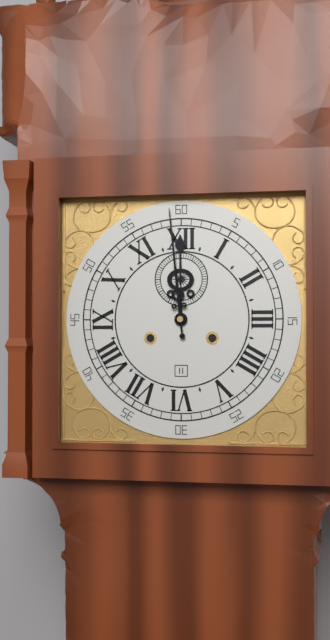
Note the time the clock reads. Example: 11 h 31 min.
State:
11 h 59 min
